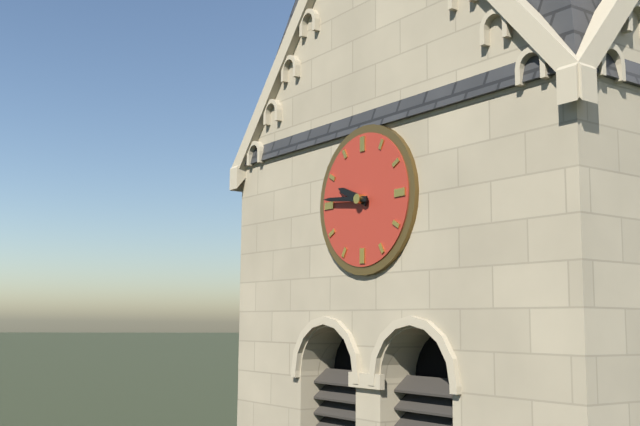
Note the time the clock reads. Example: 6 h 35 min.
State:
9 h 46 min
